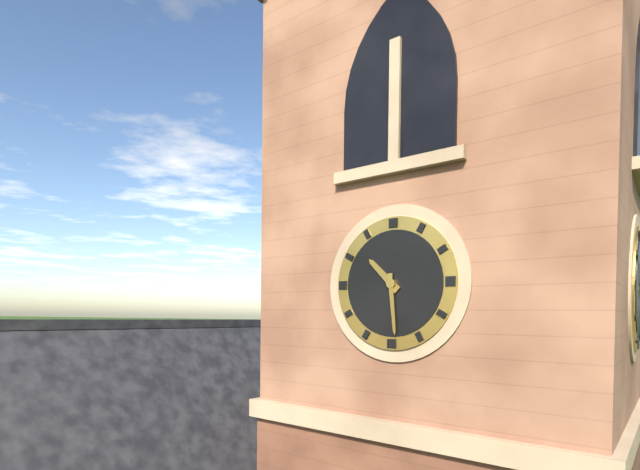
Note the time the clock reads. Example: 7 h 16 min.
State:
10 h 29 min
